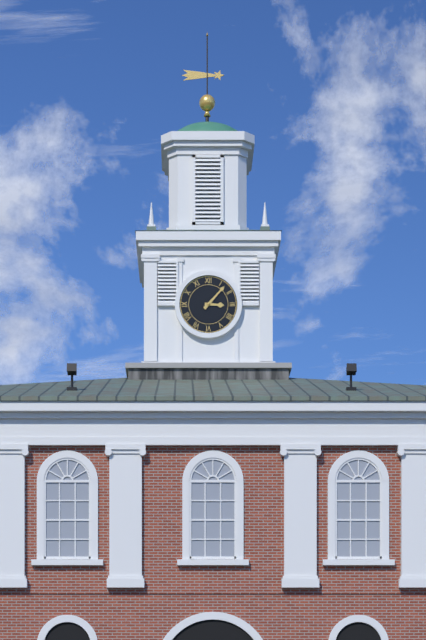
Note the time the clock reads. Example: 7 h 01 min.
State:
3 h 07 min
